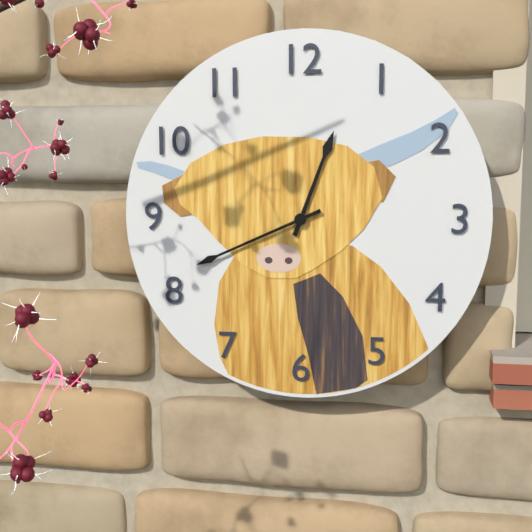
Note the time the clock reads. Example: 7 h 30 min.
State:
12 h 41 min
